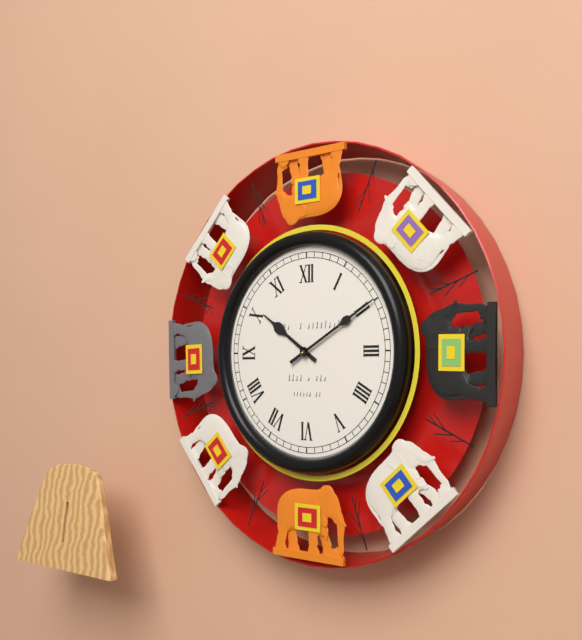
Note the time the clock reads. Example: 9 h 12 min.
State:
10 h 10 min
